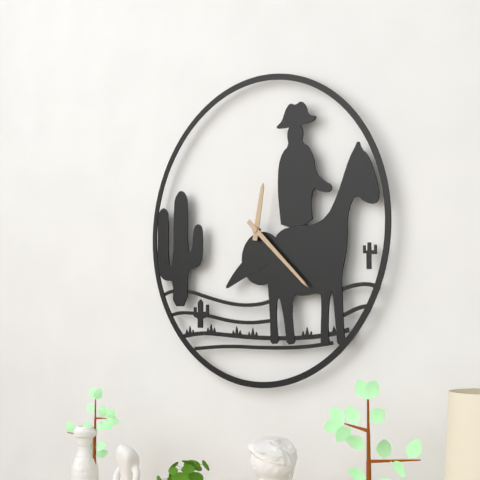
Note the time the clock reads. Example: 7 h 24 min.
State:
12 h 22 min
